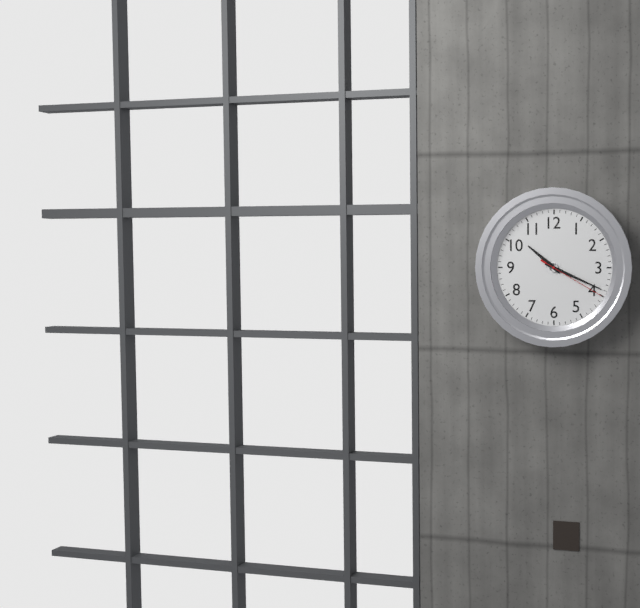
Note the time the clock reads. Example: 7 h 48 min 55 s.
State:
10 h 19 min 20 s
